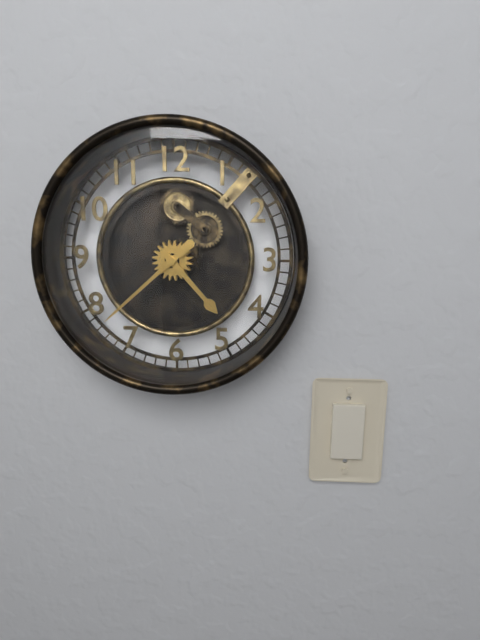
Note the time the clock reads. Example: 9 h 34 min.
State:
4 h 38 min
